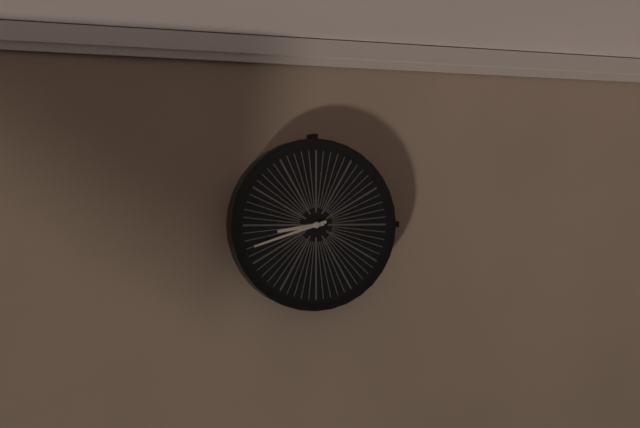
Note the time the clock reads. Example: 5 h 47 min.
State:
8 h 42 min
